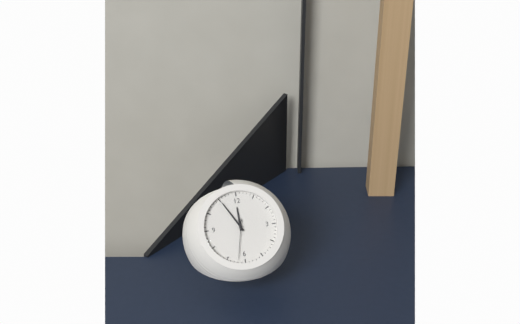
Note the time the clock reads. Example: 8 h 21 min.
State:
11 h 55 min
